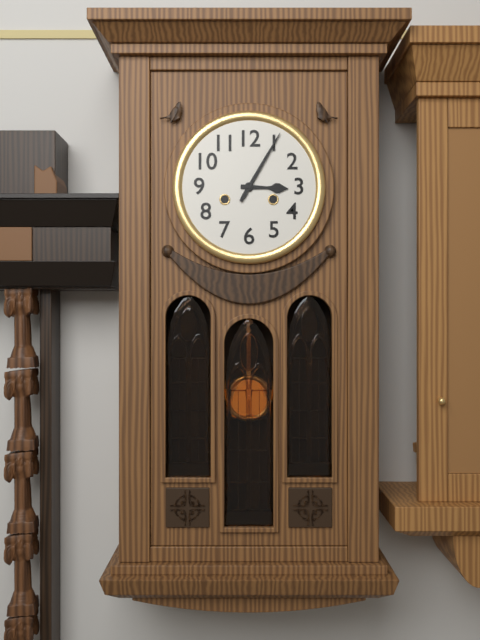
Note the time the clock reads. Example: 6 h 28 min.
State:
3 h 05 min
